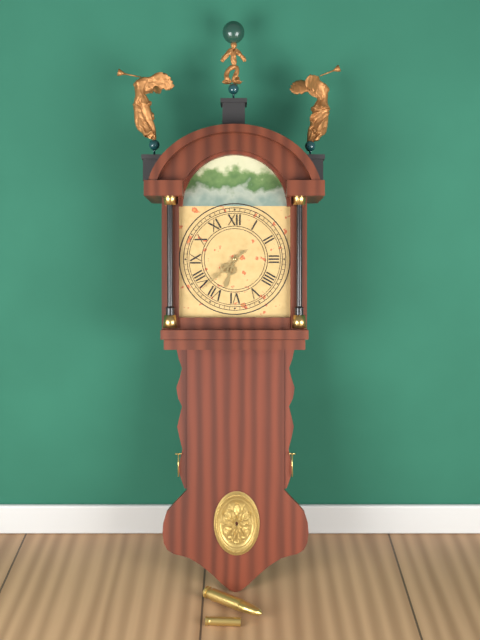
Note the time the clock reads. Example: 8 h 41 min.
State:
6 h 38 min
